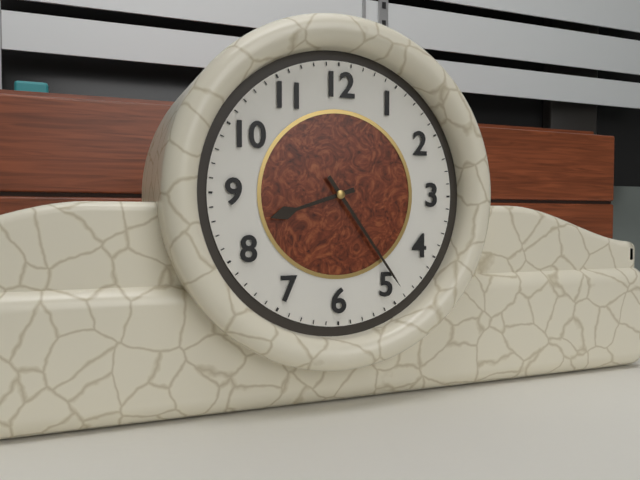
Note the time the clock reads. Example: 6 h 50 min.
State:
8 h 24 min
